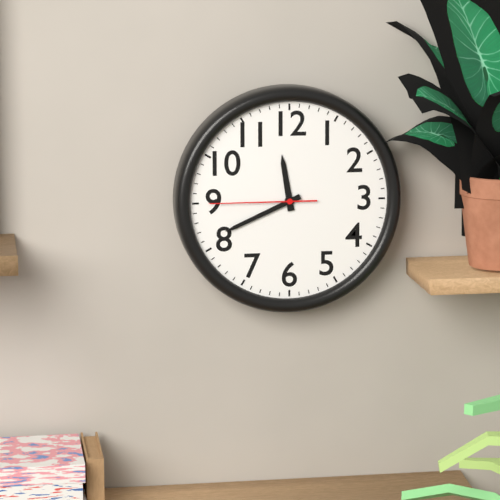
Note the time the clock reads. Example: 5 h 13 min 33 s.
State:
11 h 41 min 45 s
